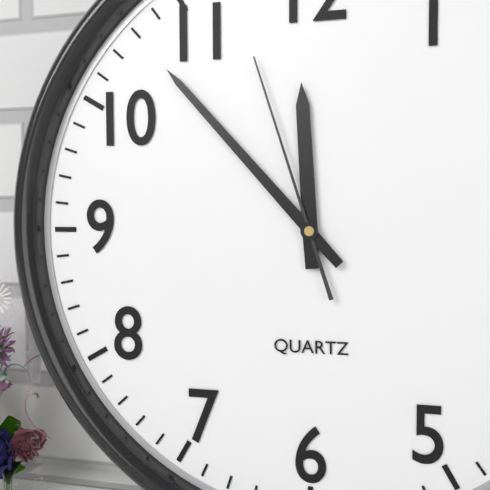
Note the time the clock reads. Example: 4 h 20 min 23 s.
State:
11 h 53 min 57 s
